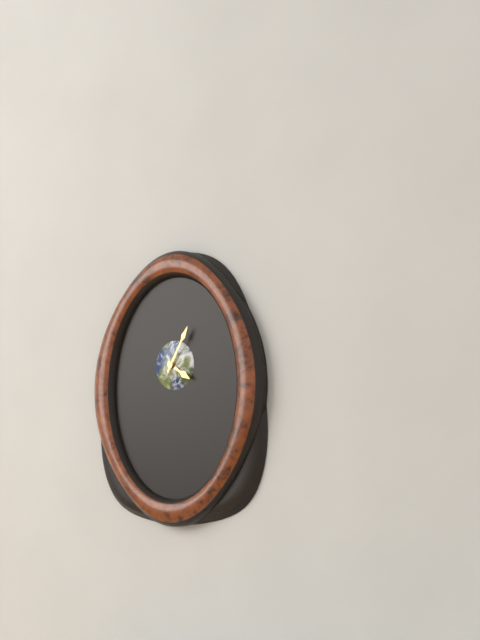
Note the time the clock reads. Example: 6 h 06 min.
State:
4 h 05 min
